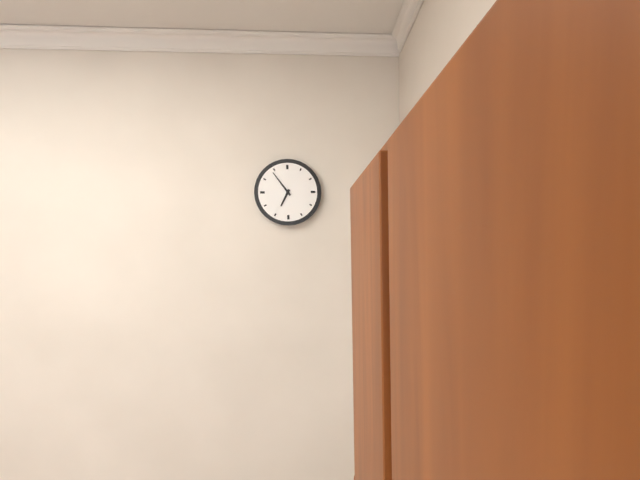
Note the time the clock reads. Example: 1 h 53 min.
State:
6 h 54 min
